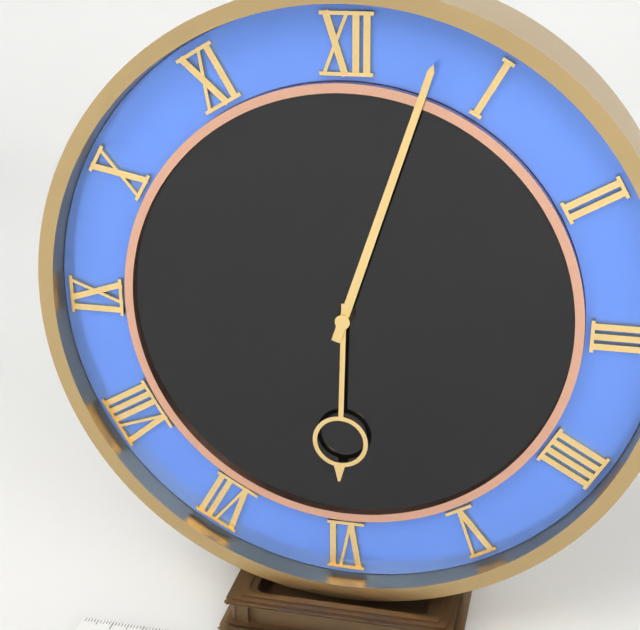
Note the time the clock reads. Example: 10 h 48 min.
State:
6 h 03 min
